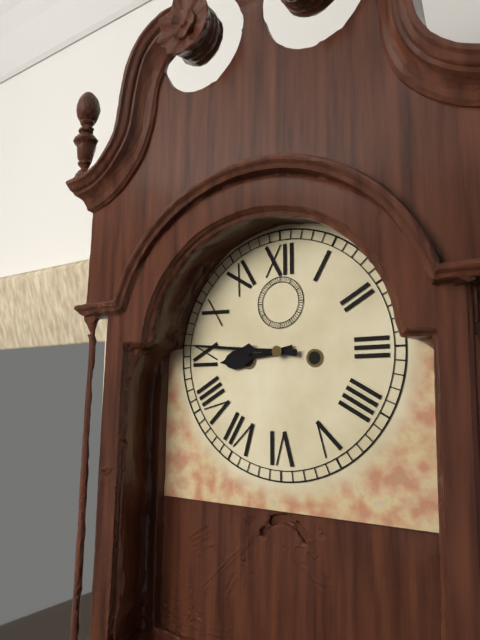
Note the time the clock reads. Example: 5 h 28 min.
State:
8 h 46 min
